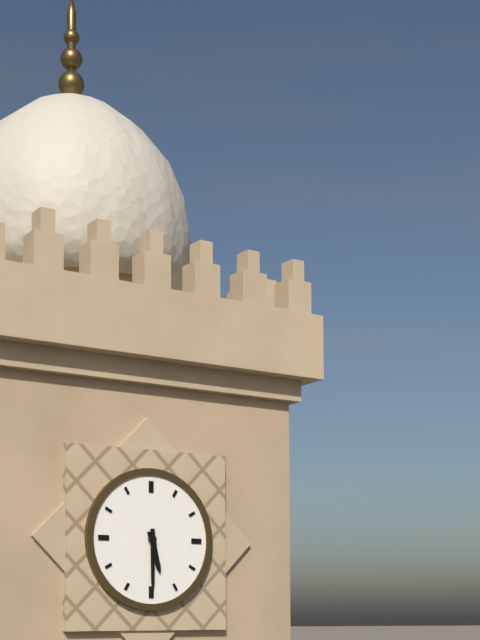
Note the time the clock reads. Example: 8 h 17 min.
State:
5 h 30 min
